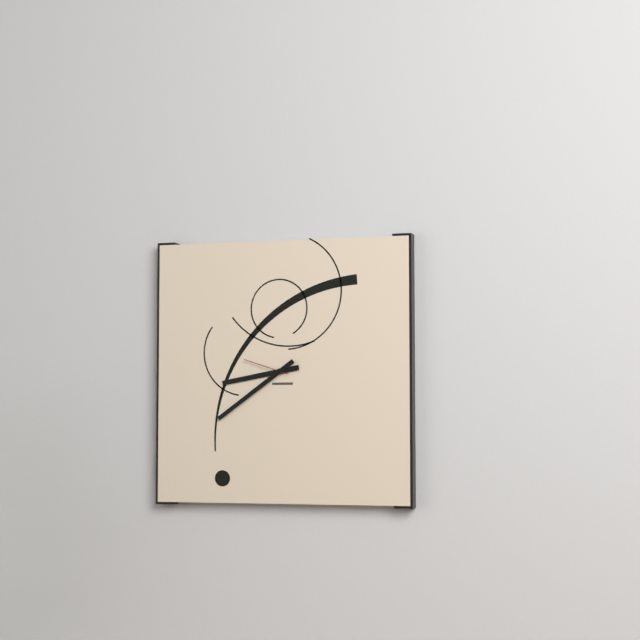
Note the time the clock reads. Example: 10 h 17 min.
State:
8 h 39 min
